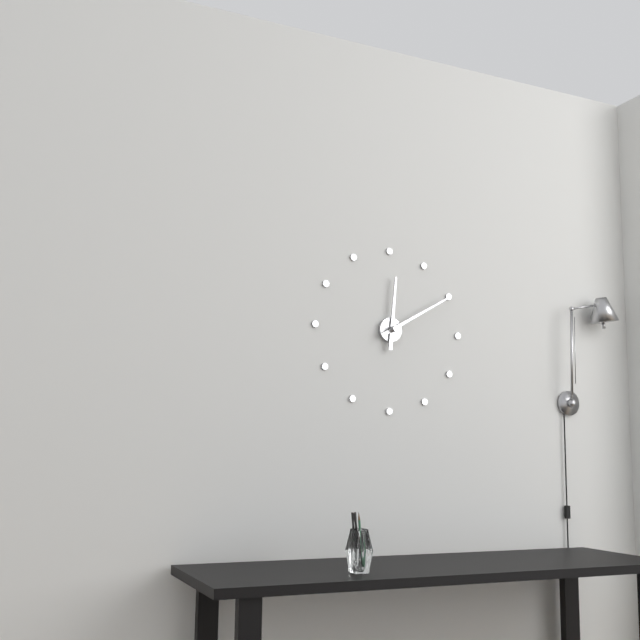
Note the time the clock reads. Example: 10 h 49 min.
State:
12 h 10 min
